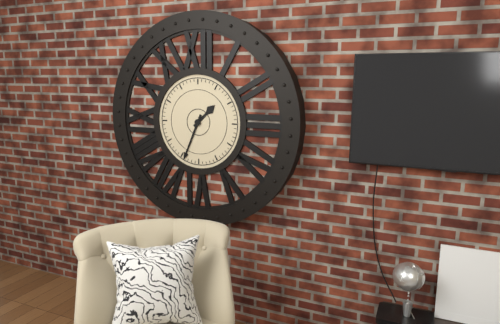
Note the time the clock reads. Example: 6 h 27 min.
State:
1 h 34 min
